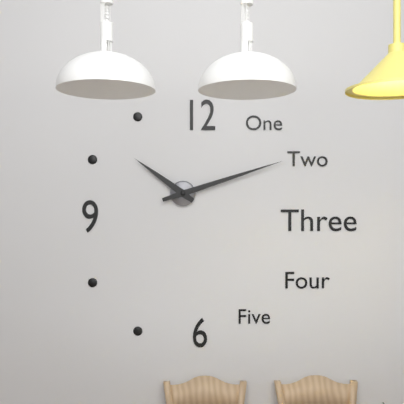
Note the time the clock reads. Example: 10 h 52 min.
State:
10 h 12 min
